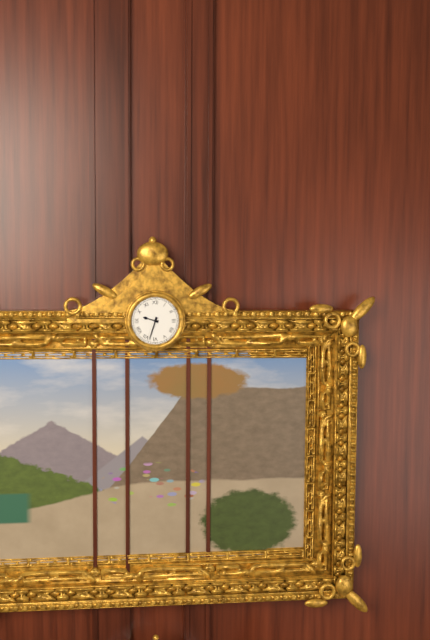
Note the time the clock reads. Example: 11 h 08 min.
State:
9 h 33 min
